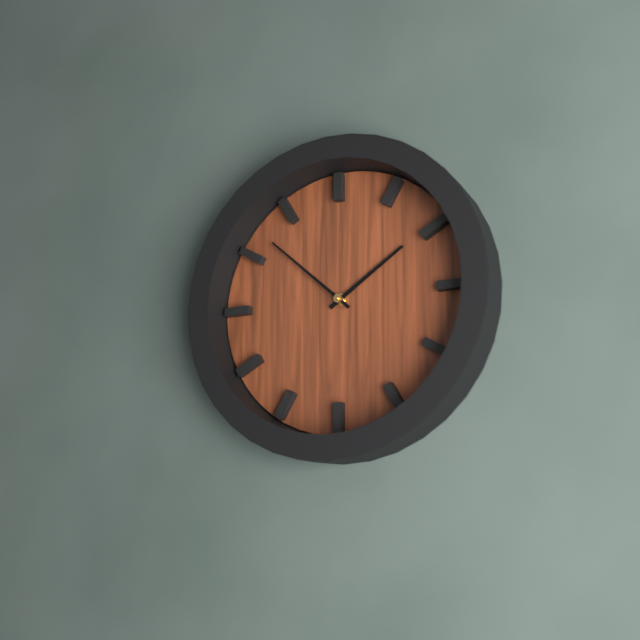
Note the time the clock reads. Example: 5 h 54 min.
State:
1 h 52 min
